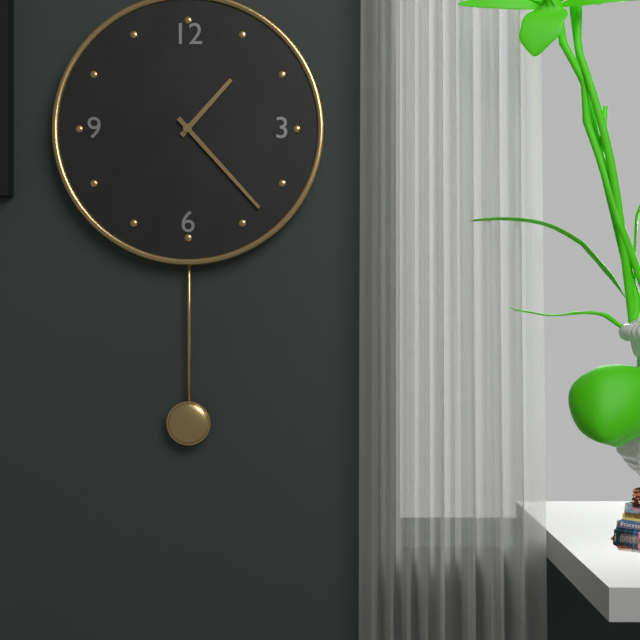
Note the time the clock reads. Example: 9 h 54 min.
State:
1 h 23 min
